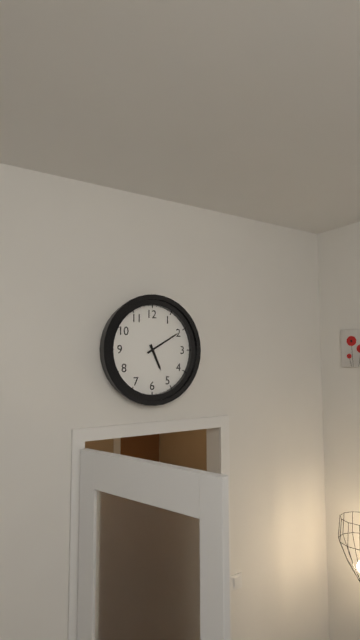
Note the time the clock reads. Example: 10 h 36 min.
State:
5 h 10 min
